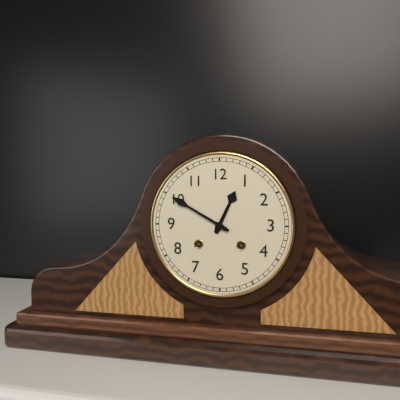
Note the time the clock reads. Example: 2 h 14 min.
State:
12 h 50 min
